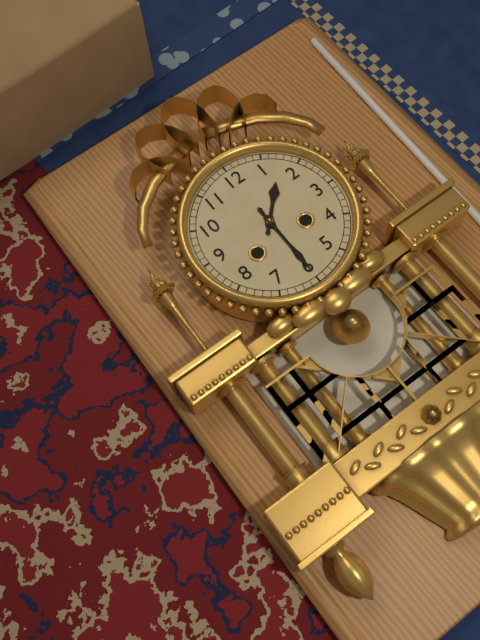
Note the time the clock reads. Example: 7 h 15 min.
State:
1 h 30 min
